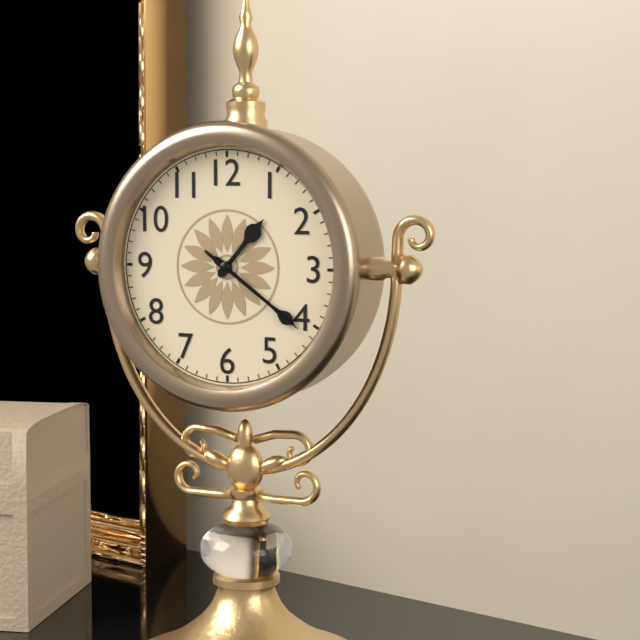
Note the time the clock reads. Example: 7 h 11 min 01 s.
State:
1 h 21 min 21 s
